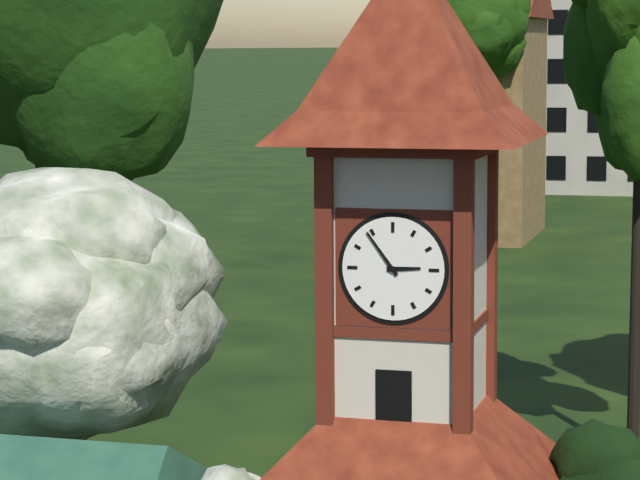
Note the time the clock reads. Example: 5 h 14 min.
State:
2 h 54 min
